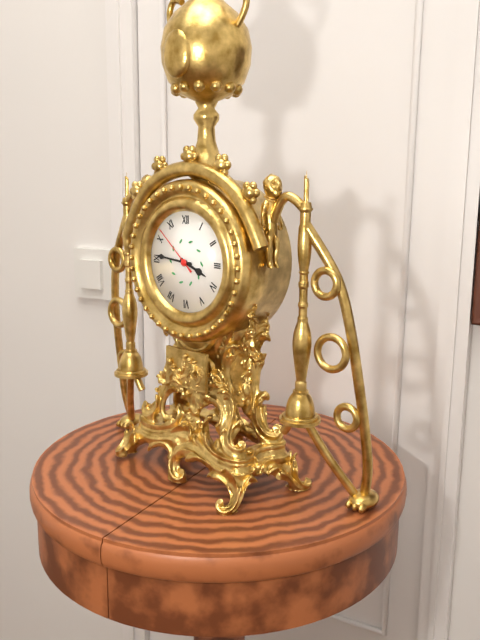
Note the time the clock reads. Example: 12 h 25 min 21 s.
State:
3 h 46 min 52 s
